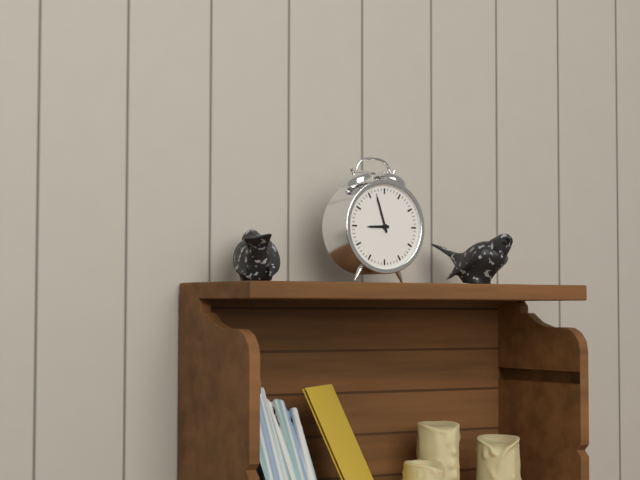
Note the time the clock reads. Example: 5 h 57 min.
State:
8 h 57 min
